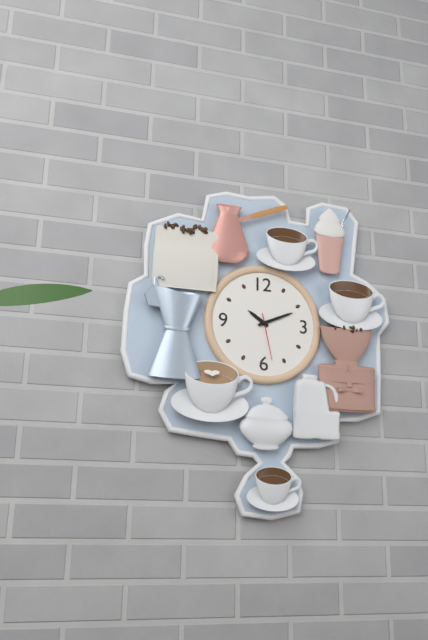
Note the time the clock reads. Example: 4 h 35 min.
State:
10 h 11 min
